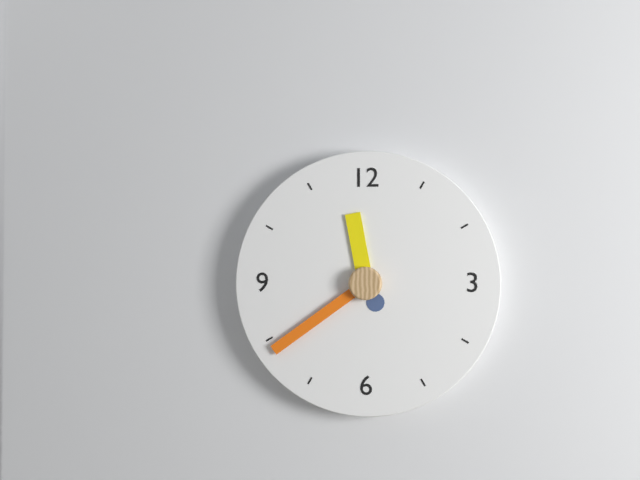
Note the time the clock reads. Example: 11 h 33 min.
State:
11 h 39 min
